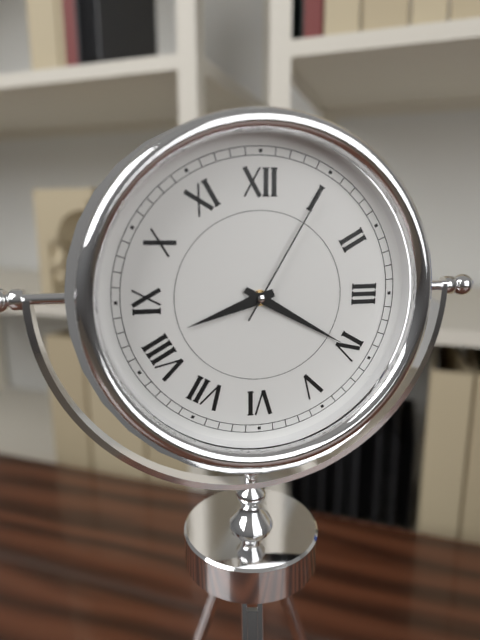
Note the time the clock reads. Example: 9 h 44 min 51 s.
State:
8 h 20 min 05 s
